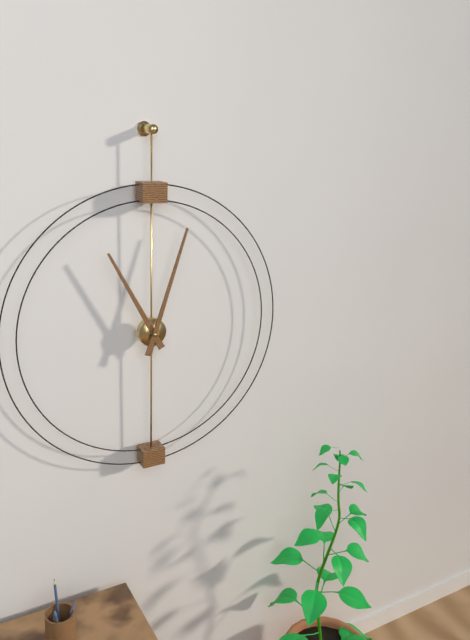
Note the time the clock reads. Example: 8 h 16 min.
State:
11 h 03 min
